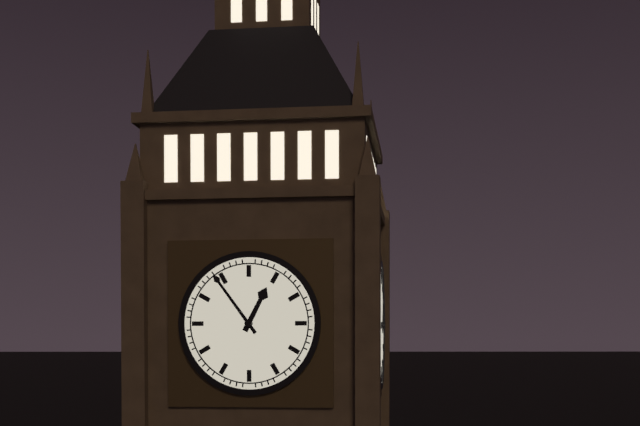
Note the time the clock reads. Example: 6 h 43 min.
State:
12 h 54 min
